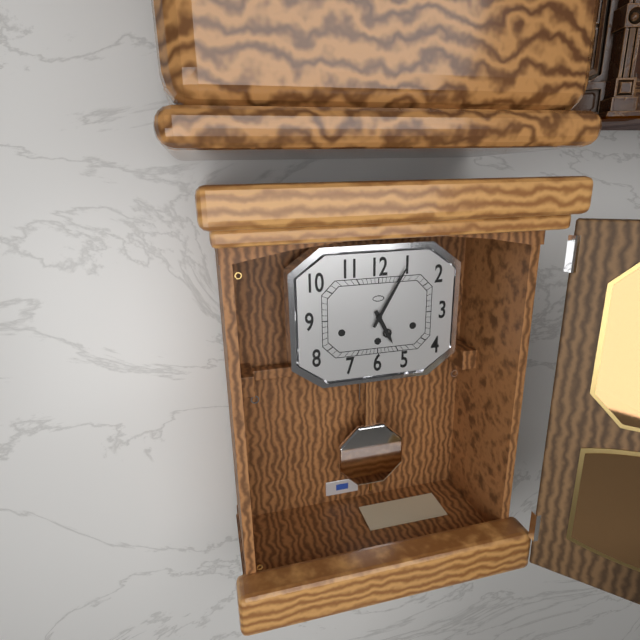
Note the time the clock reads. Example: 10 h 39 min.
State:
5 h 05 min
